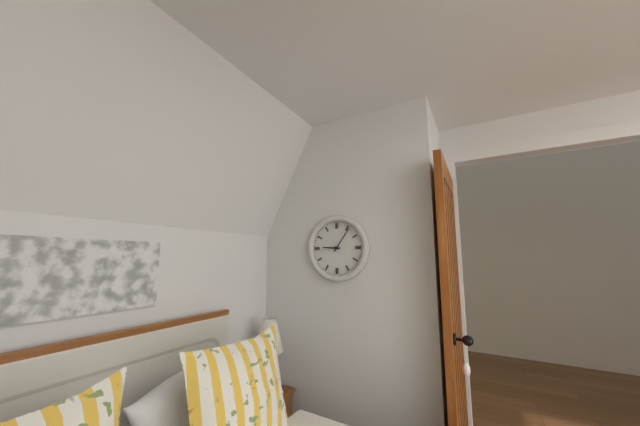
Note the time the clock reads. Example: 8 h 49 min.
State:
9 h 06 min
